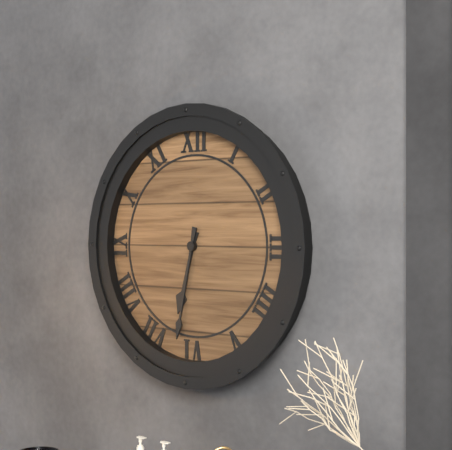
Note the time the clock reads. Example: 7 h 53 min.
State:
6 h 32 min
